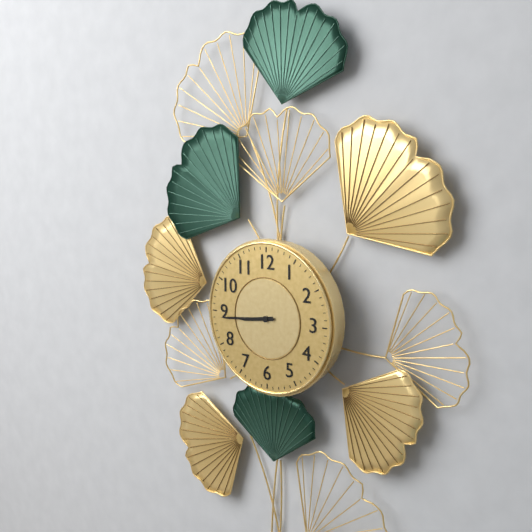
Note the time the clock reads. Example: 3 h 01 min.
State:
8 h 44 min
